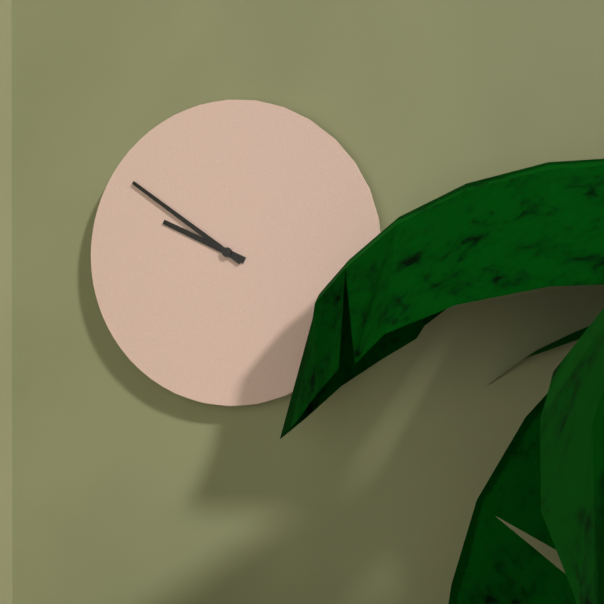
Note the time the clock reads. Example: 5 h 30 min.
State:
9 h 51 min
